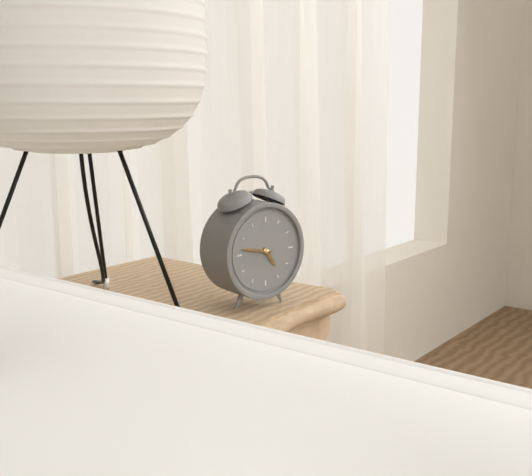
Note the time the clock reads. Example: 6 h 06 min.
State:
4 h 47 min
